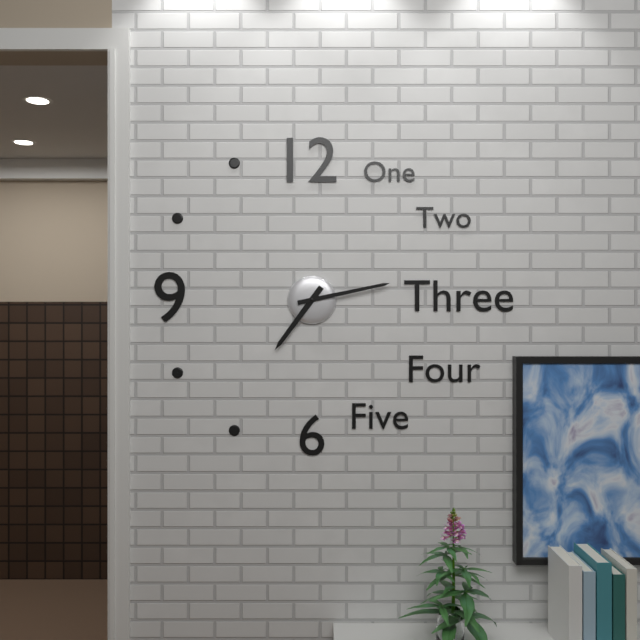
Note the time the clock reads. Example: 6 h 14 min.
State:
7 h 13 min
